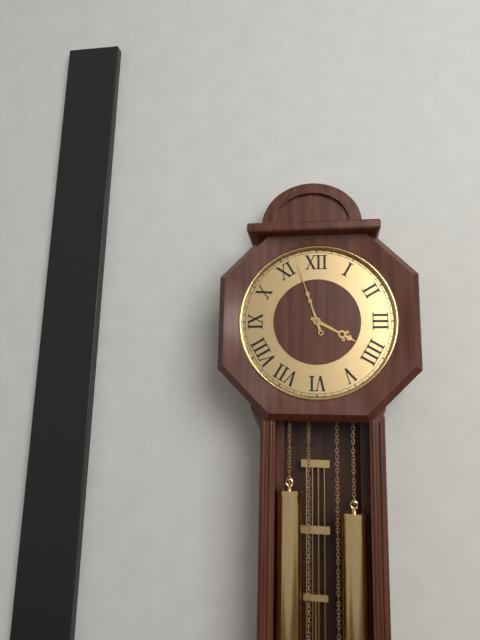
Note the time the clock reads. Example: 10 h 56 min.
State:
3 h 57 min
